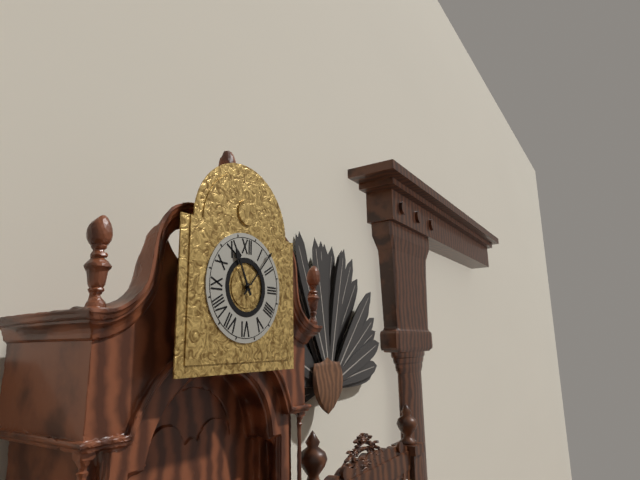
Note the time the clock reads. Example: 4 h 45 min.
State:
11 h 07 min
